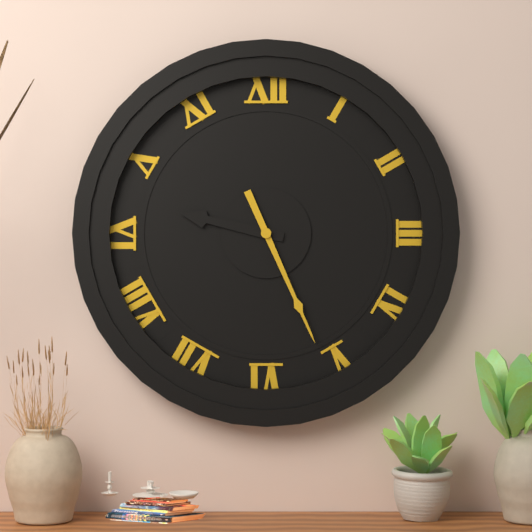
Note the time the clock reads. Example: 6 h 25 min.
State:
9 h 26 min
